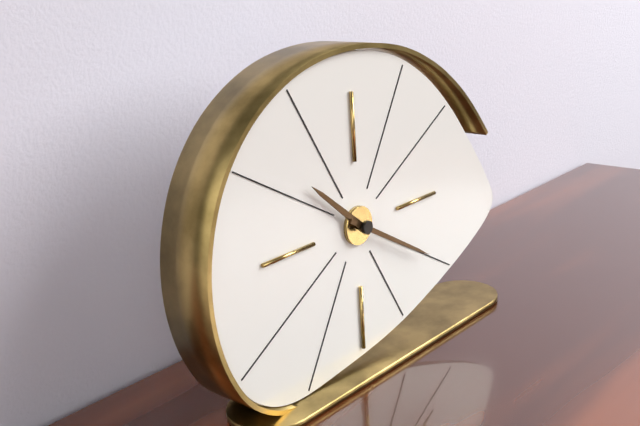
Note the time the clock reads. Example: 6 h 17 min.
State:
10 h 20 min
